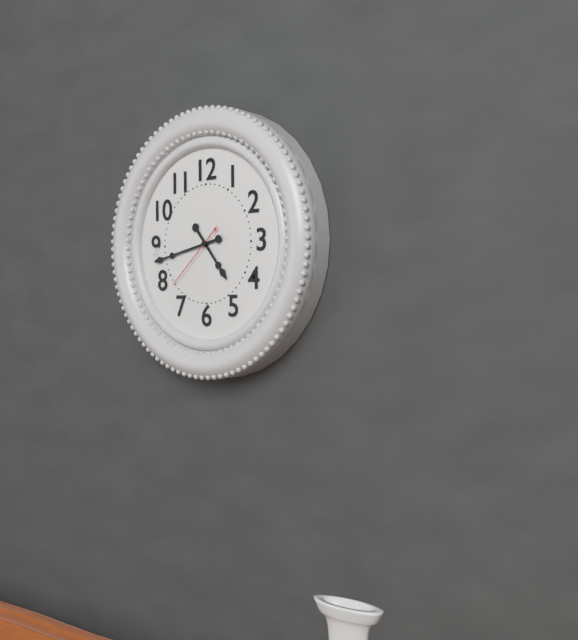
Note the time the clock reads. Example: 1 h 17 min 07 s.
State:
4 h 43 min 38 s
